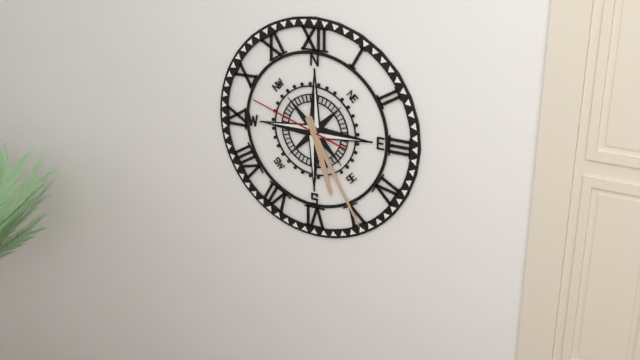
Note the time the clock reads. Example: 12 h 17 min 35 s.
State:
5 h 25 min 48 s
